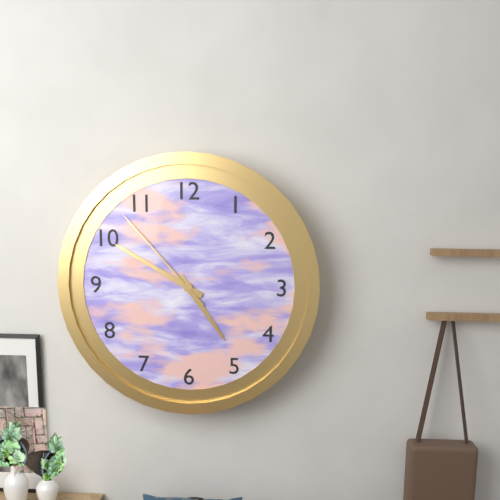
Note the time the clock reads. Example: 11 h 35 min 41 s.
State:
4 h 50 min 53 s
